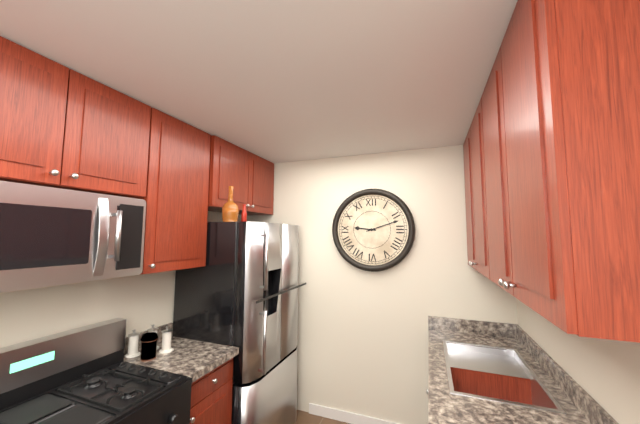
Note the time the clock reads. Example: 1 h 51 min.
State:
9 h 12 min
